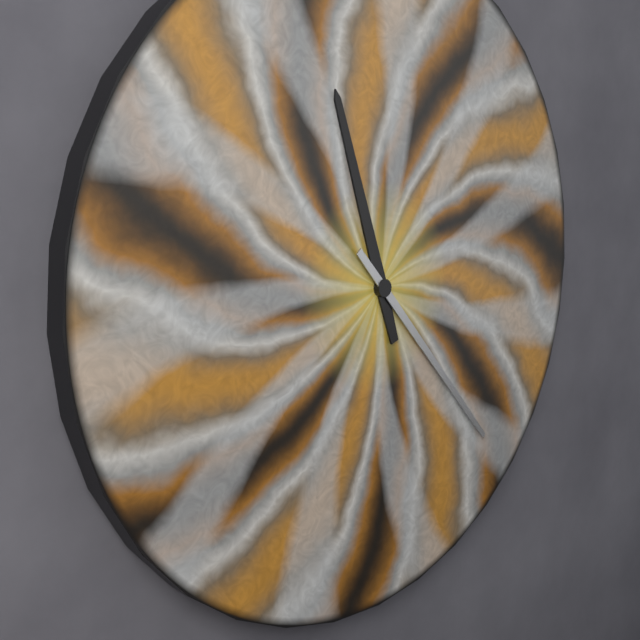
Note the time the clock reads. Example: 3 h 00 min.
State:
11 h 23 min
